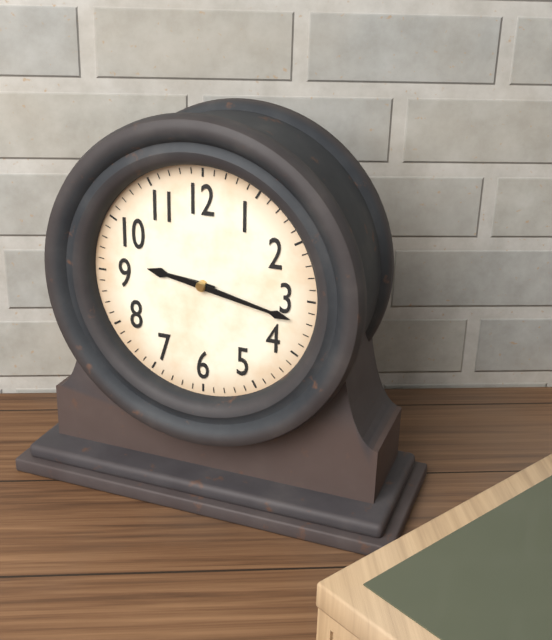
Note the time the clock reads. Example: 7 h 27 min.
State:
9 h 17 min
